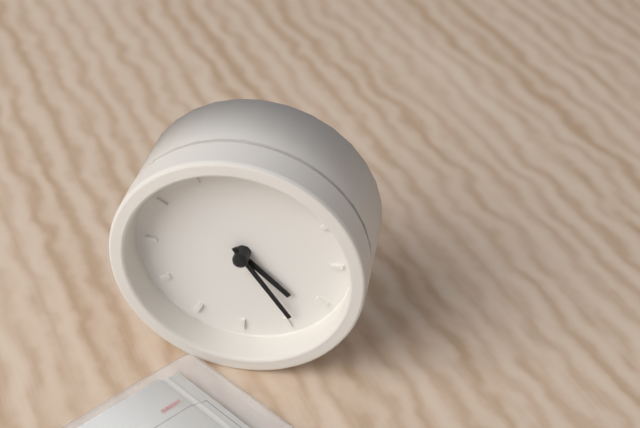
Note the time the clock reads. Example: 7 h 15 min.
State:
4 h 24 min
